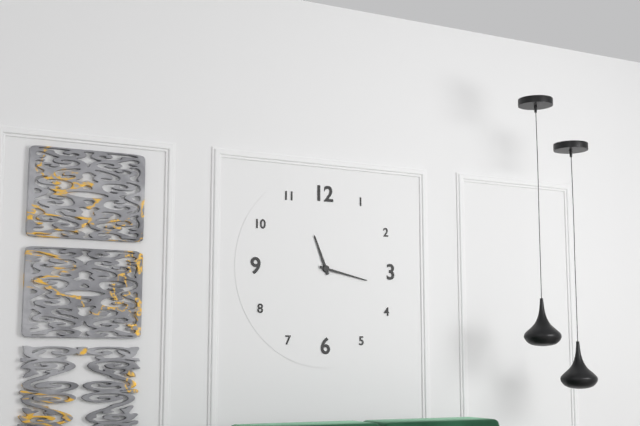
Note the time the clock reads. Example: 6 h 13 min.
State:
11 h 17 min
